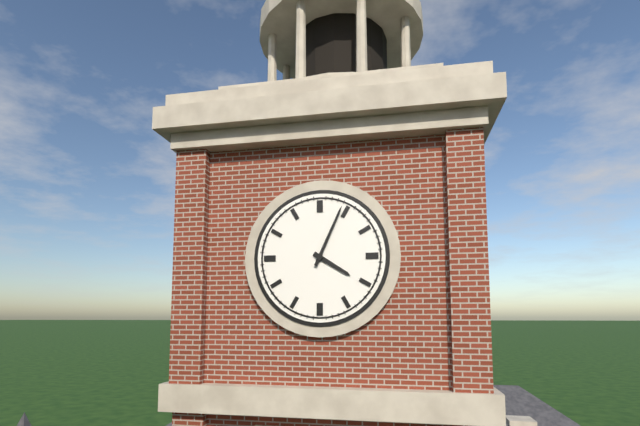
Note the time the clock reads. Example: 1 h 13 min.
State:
4 h 04 min
